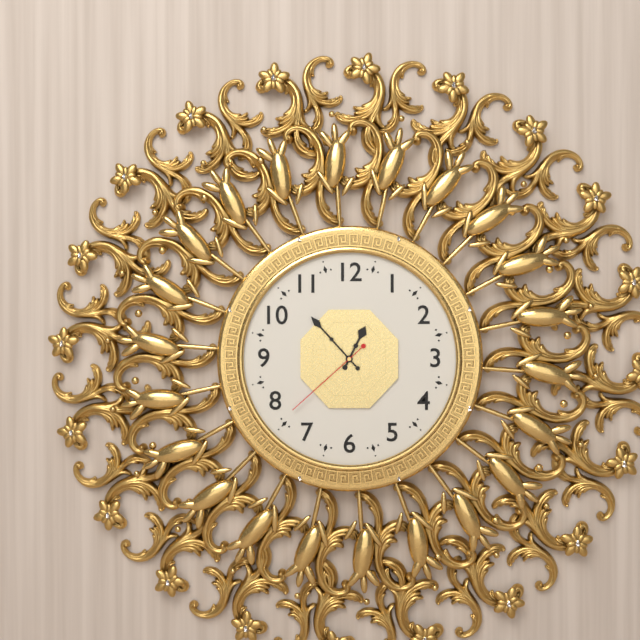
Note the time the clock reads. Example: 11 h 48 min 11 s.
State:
12 h 53 min 38 s
